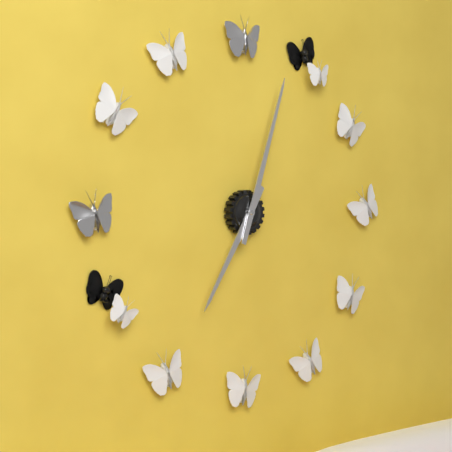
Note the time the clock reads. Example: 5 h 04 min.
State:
7 h 03 min
